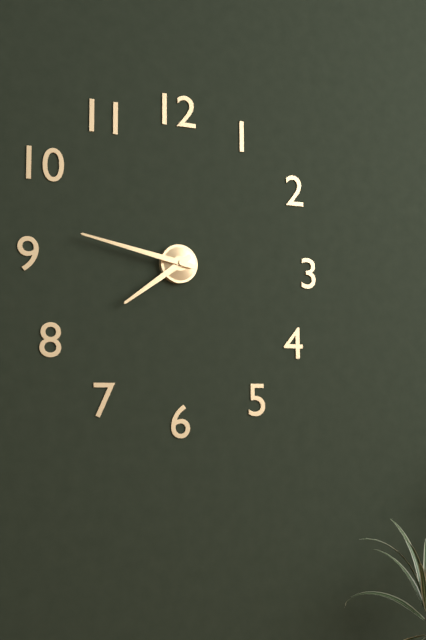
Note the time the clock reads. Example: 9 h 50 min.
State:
7 h 47 min
